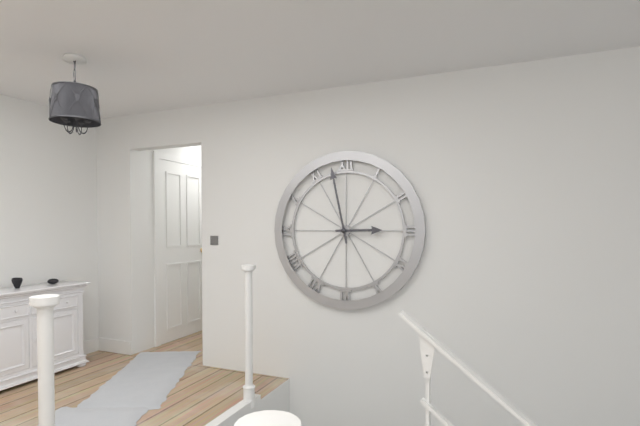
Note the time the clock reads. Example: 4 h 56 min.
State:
2 h 58 min
